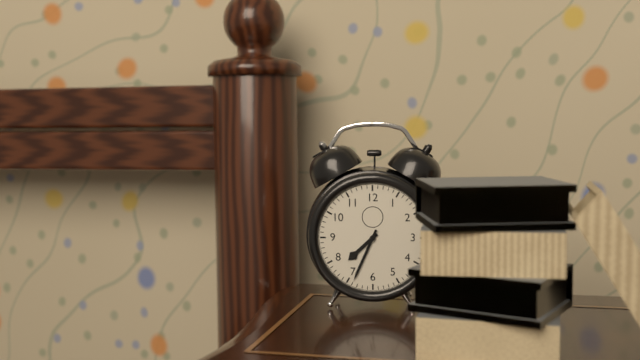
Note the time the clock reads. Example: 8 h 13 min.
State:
7 h 34 min
